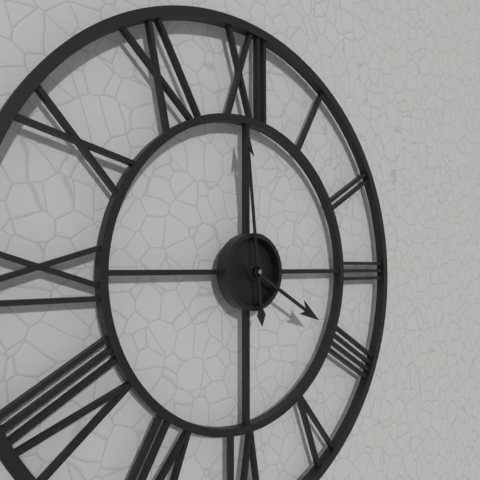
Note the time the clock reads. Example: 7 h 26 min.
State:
3 h 59 min
